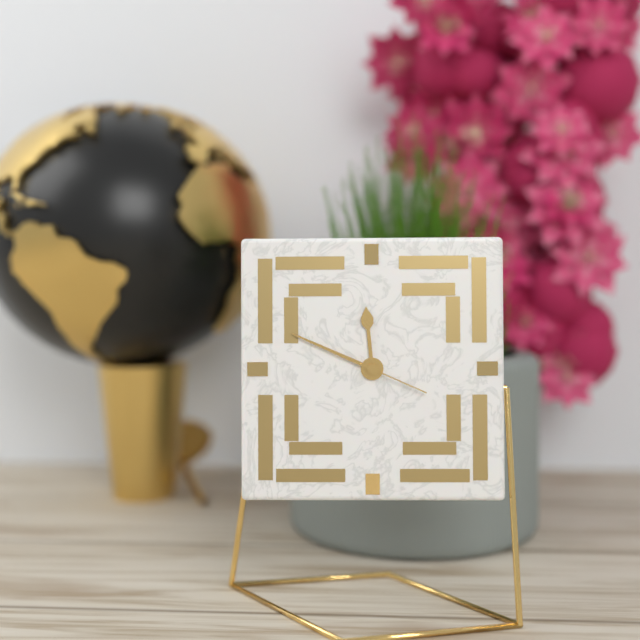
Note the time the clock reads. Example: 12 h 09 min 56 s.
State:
11 h 49 min 19 s
